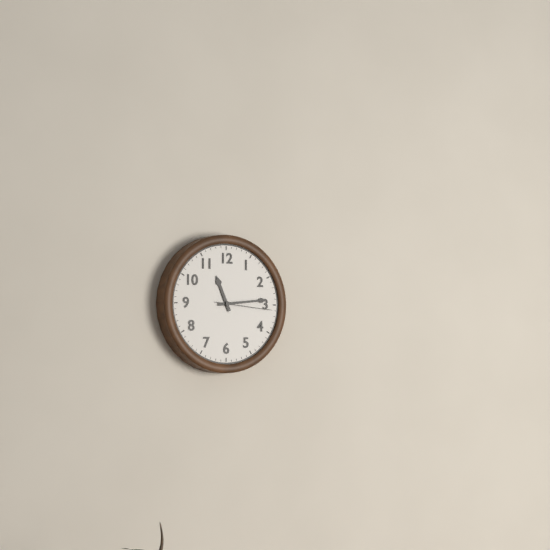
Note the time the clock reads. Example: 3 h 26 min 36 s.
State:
11 h 14 min 16 s
